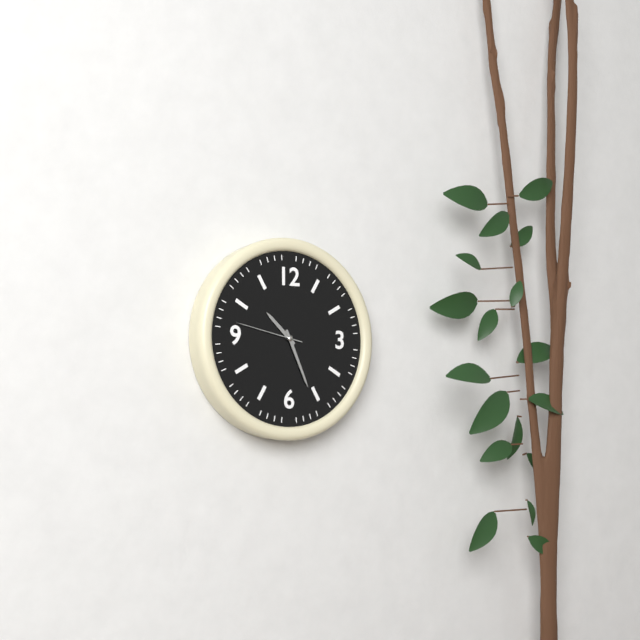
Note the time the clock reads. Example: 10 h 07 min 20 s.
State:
10 h 26 min 47 s
